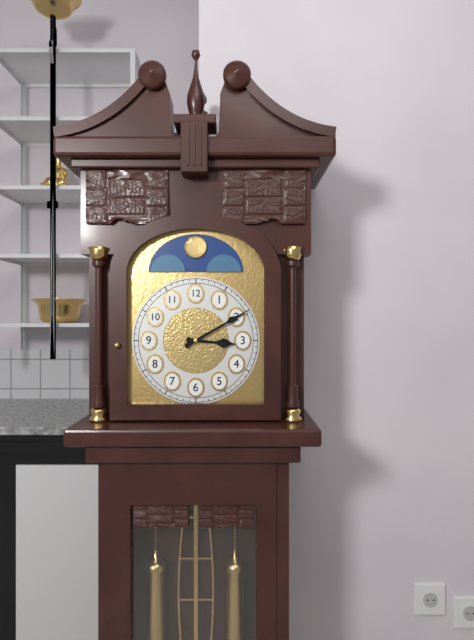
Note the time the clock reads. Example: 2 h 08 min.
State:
3 h 10 min
